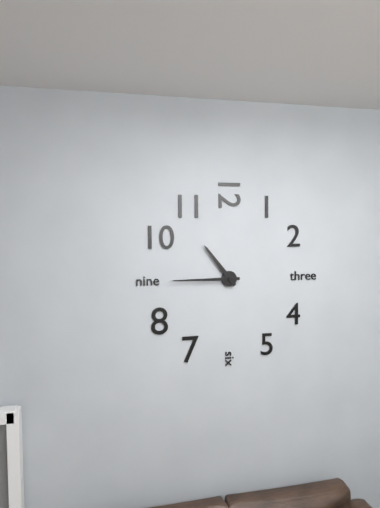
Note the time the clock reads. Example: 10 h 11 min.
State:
10 h 45 min
